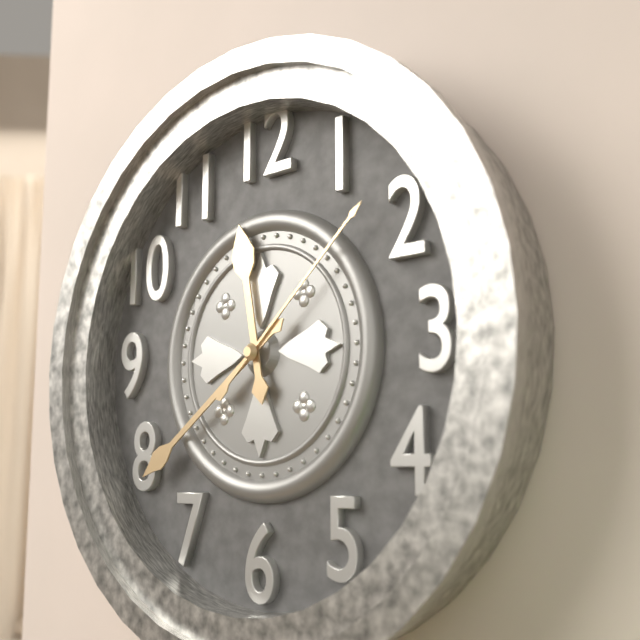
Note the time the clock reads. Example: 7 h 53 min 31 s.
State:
11 h 39 min 08 s
